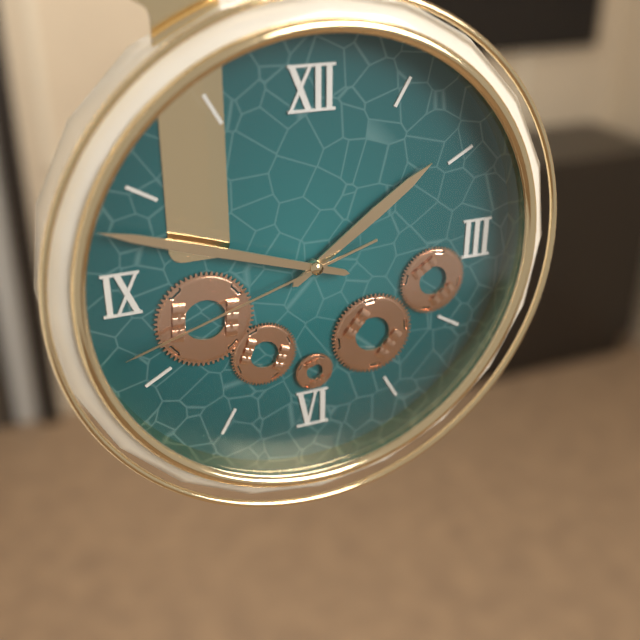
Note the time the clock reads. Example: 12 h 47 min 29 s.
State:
1 h 48 min 42 s
